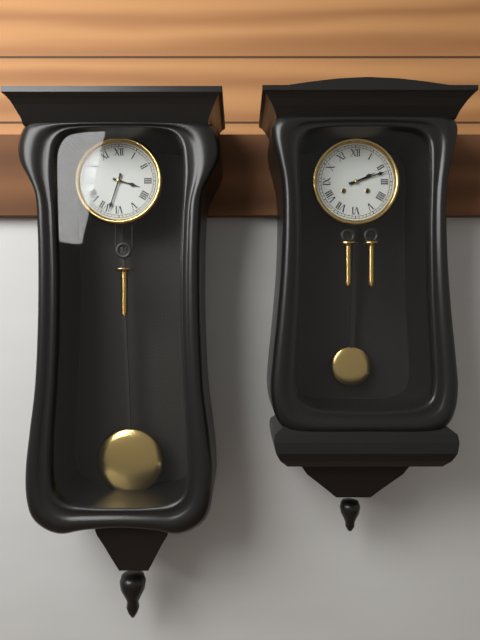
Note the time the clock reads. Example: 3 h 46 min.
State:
3 h 33 min
